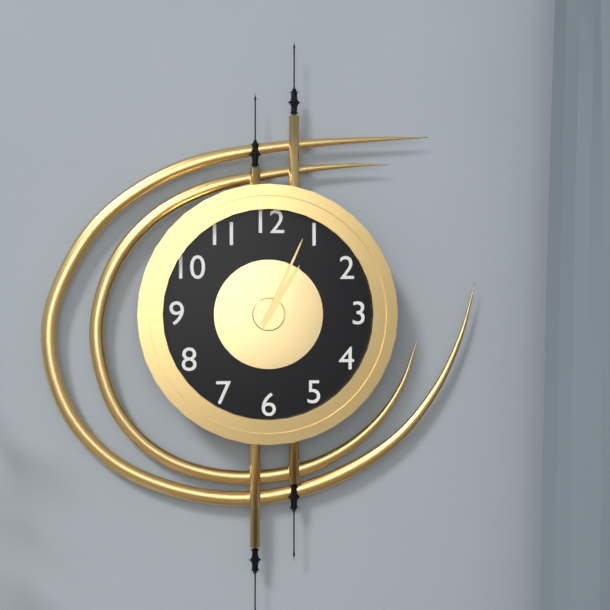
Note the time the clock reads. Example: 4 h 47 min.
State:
1 h 04 min
